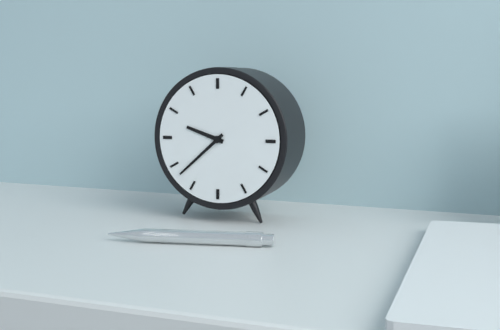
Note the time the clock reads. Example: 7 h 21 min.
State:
9 h 38 min
